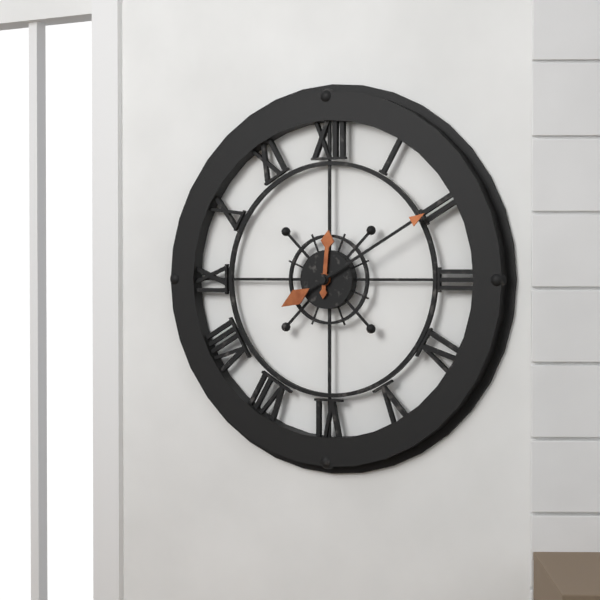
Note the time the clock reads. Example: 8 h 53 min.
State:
12 h 10 min
